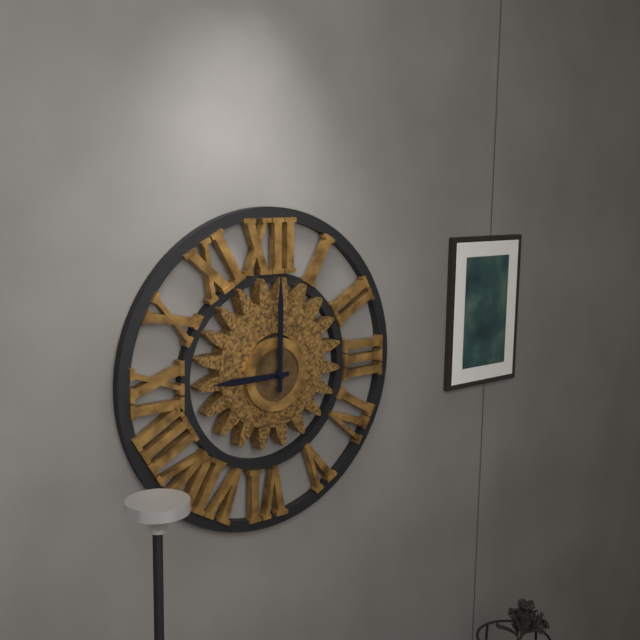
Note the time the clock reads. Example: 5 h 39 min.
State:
9 h 00 min
